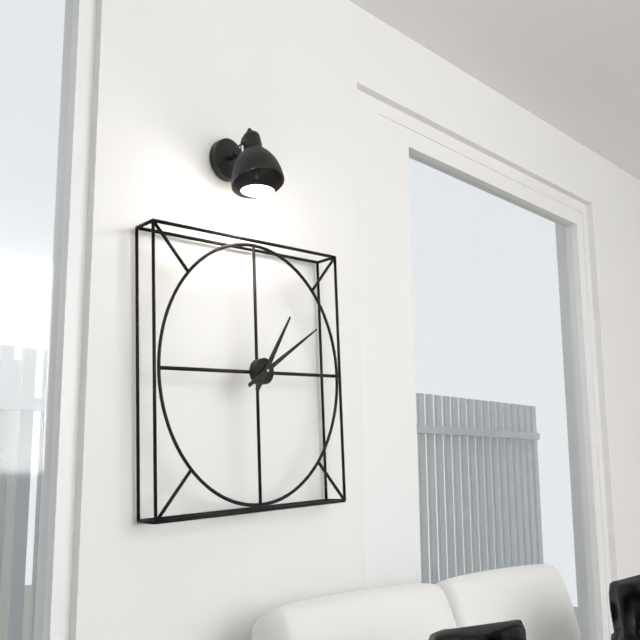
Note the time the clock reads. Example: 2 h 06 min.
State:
1 h 10 min
